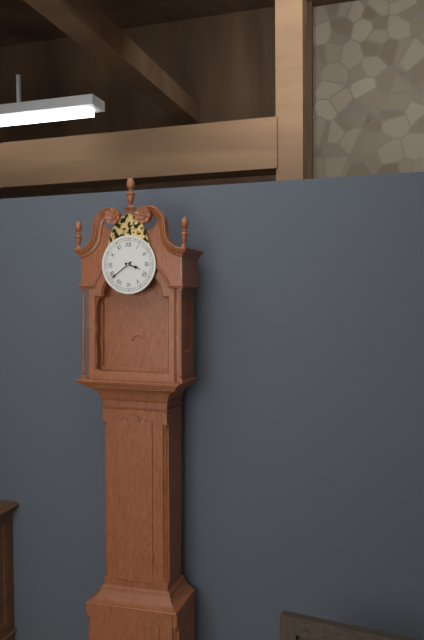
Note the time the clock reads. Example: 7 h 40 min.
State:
3 h 39 min
